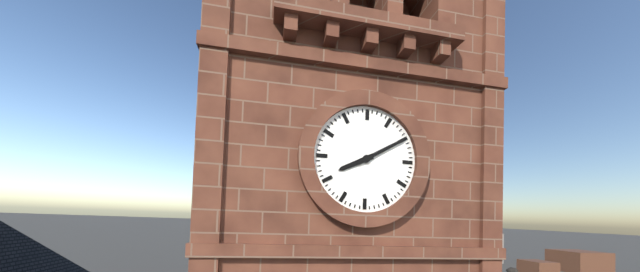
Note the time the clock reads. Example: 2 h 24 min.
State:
8 h 10 min
